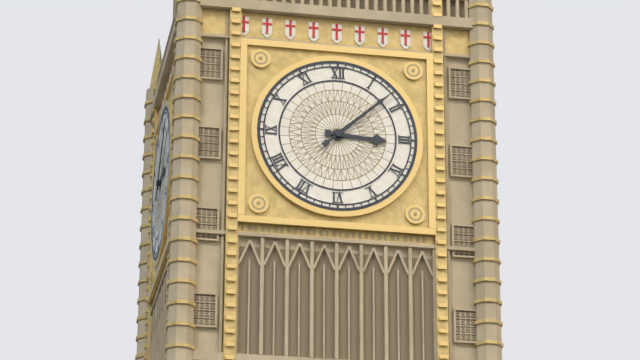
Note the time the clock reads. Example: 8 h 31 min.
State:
3 h 08 min
